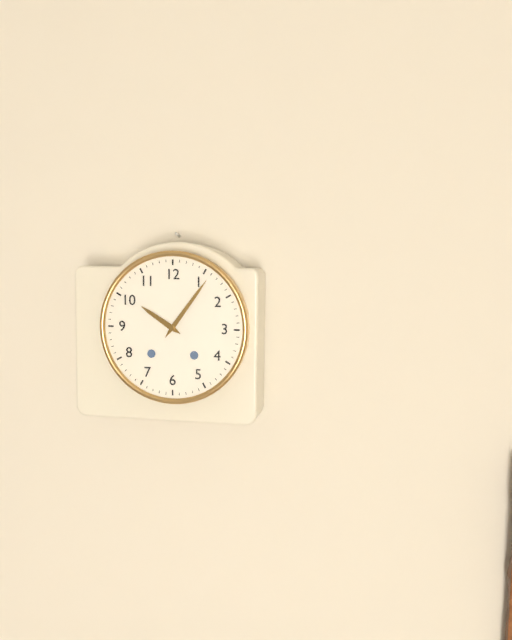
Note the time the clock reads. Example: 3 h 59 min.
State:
10 h 06 min
